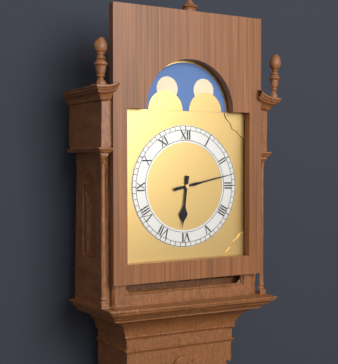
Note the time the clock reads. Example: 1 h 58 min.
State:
6 h 13 min
